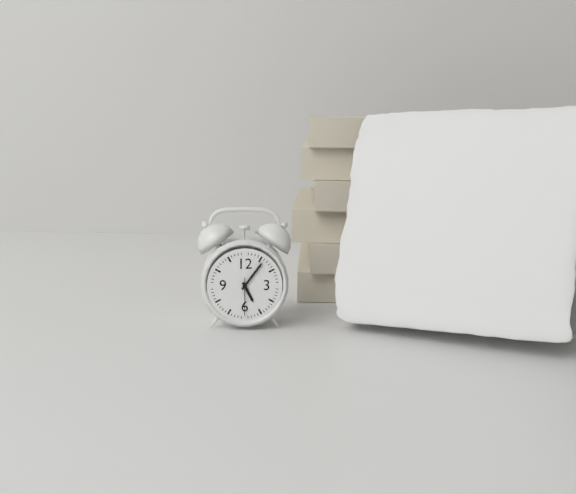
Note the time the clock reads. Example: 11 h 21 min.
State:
5 h 06 min
